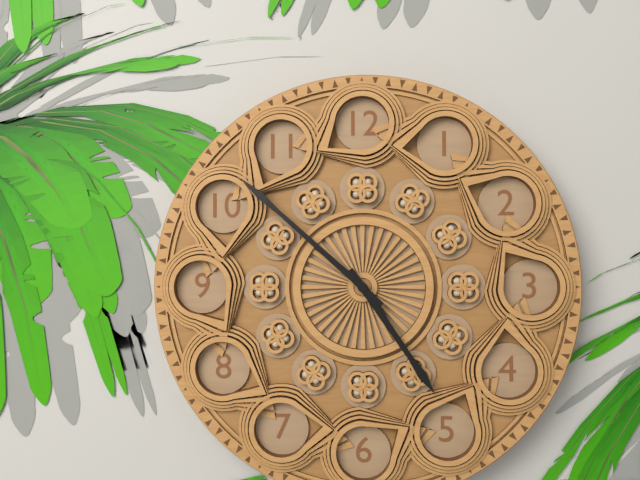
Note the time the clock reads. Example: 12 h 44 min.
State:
4 h 52 min
